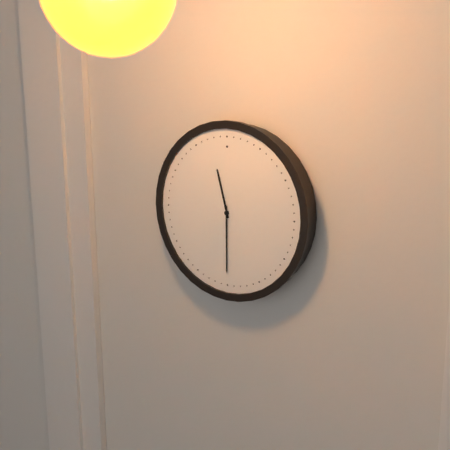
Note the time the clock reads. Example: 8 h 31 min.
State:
11 h 30 min
